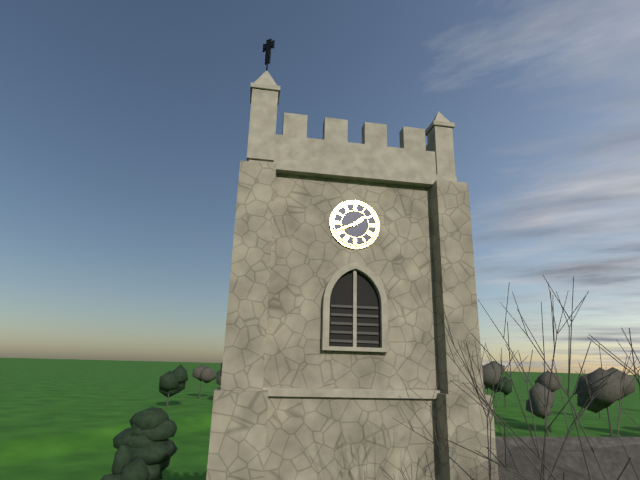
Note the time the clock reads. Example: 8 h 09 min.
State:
1 h 41 min
